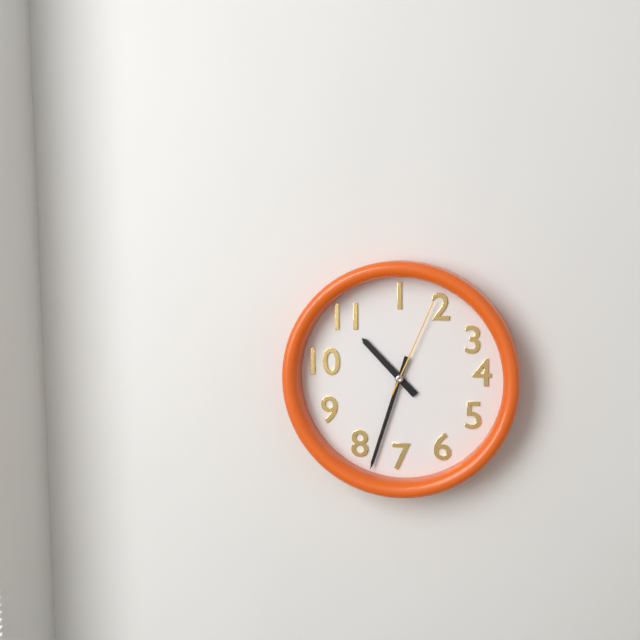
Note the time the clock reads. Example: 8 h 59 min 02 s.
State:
10 h 33 min 04 s
